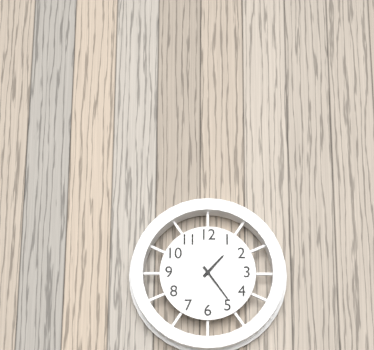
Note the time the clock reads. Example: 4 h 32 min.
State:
1 h 24 min
